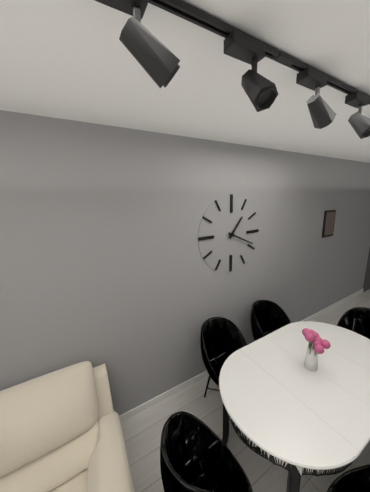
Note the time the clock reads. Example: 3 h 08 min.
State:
1 h 19 min
